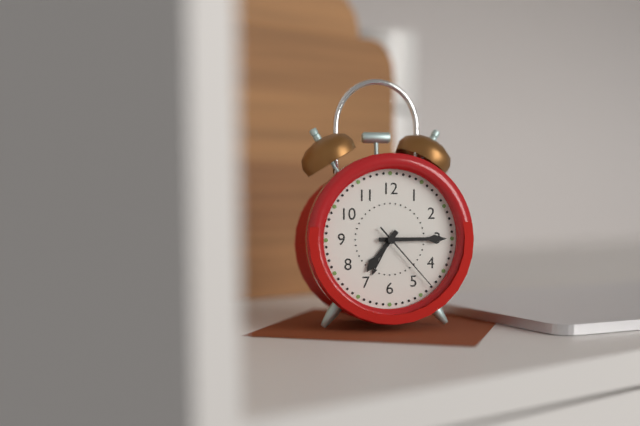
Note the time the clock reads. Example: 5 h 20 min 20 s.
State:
7 h 15 min 23 s
